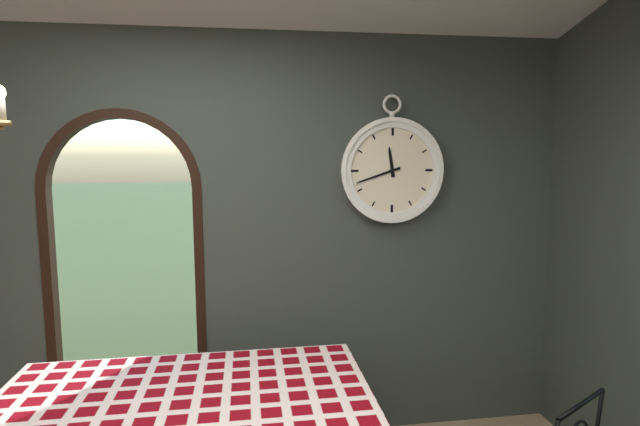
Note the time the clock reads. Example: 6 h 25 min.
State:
11 h 42 min
